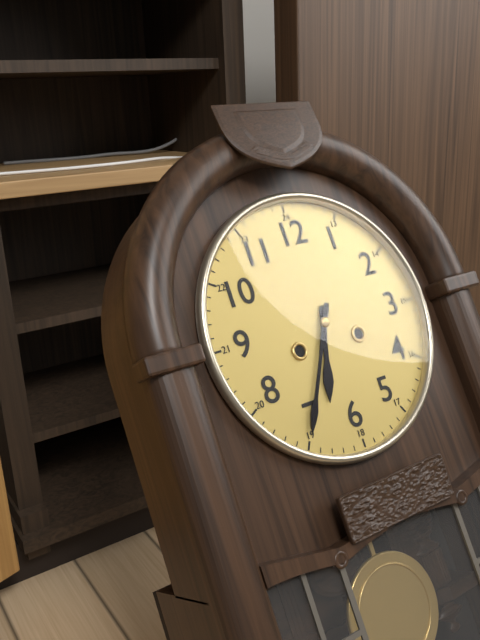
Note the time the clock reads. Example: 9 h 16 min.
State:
6 h 35 min
